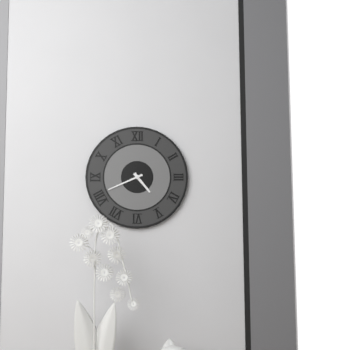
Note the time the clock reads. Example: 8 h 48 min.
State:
4 h 41 min
